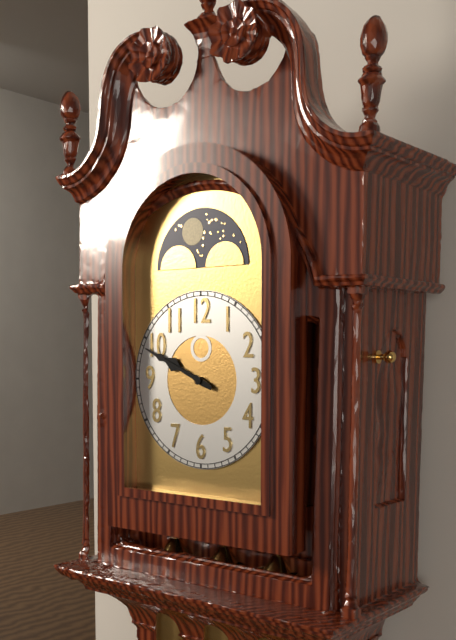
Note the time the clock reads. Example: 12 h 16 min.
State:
9 h 49 min
